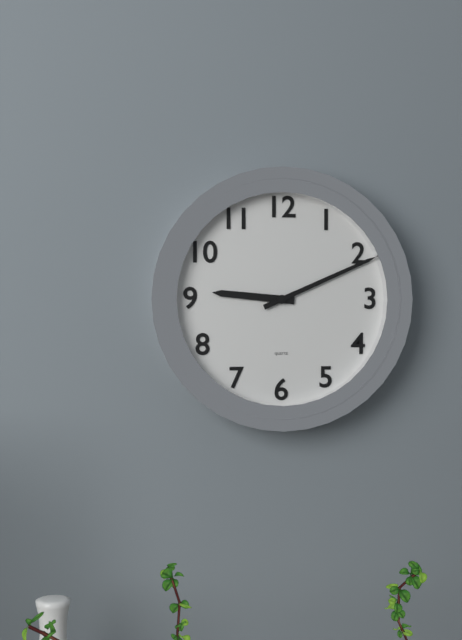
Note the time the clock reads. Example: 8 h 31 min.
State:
9 h 11 min
